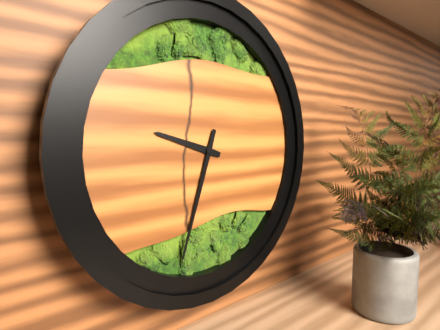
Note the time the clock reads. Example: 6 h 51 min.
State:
9 h 33 min
